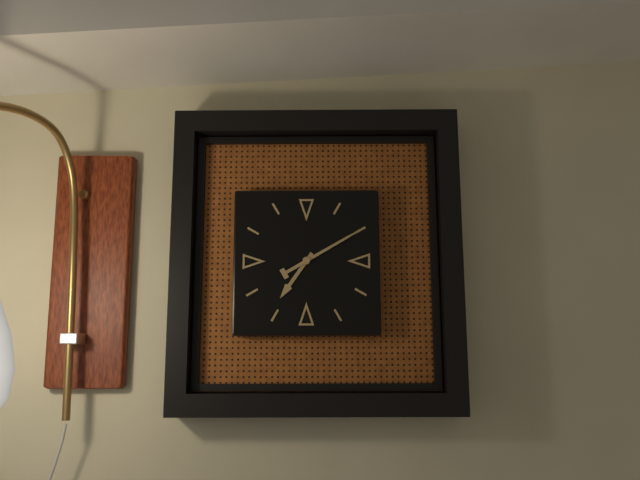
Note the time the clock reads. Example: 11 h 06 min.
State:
7 h 10 min
